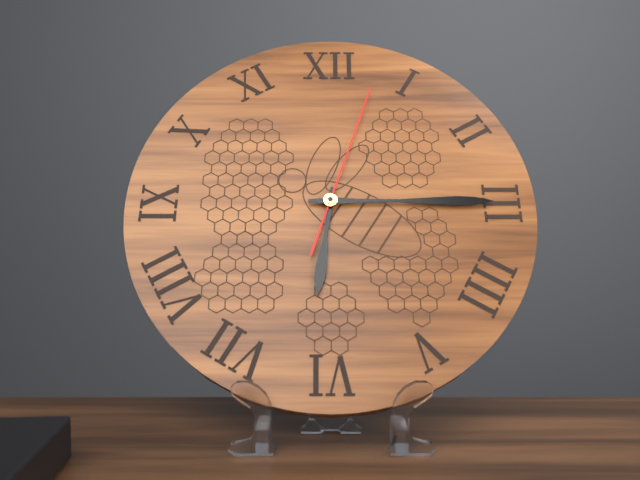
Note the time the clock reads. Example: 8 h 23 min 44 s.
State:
6 h 15 min 03 s
